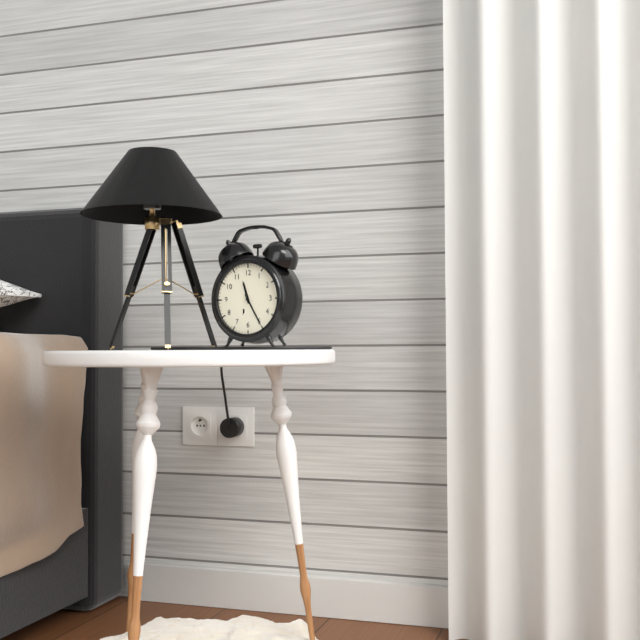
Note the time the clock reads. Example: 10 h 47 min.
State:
11 h 25 min
